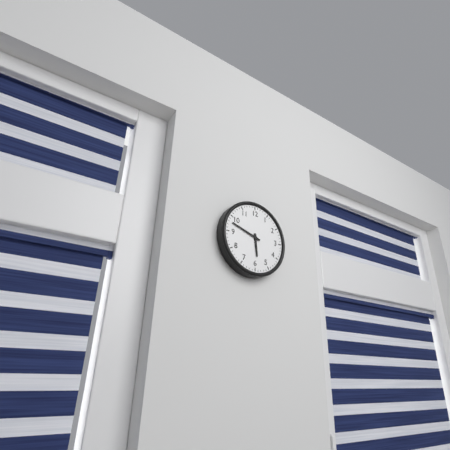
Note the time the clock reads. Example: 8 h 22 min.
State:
5 h 48 min
